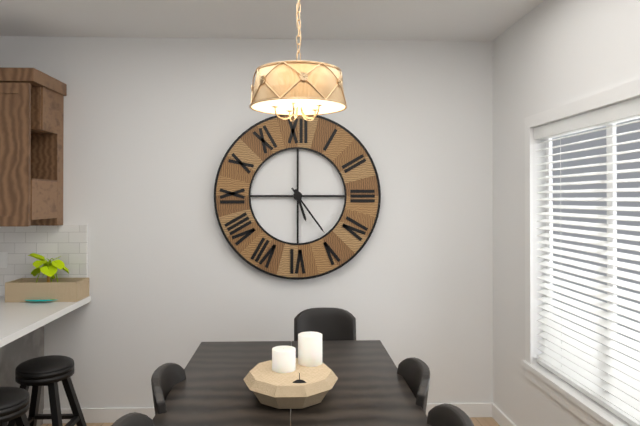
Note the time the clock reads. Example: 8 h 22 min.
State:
5 h 24 min
